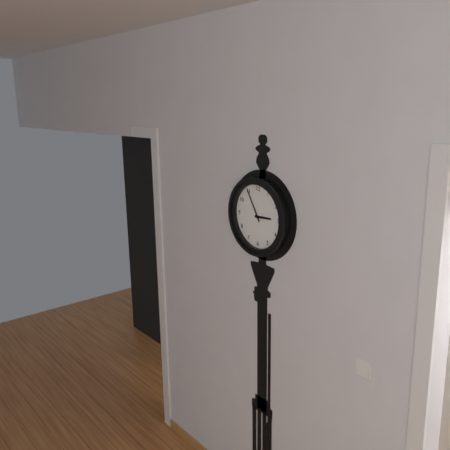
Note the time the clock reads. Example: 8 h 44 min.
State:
2 h 55 min
